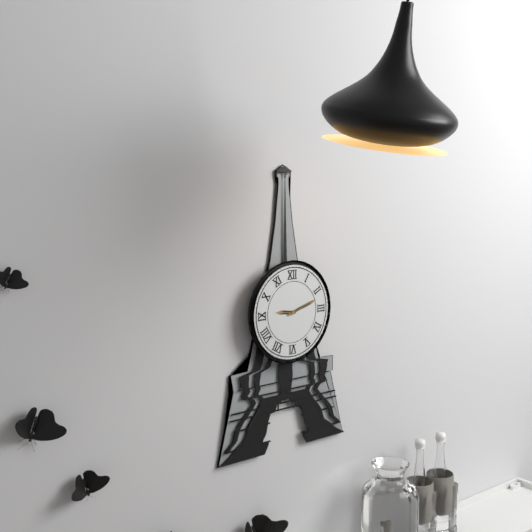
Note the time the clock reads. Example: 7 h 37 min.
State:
9 h 12 min
